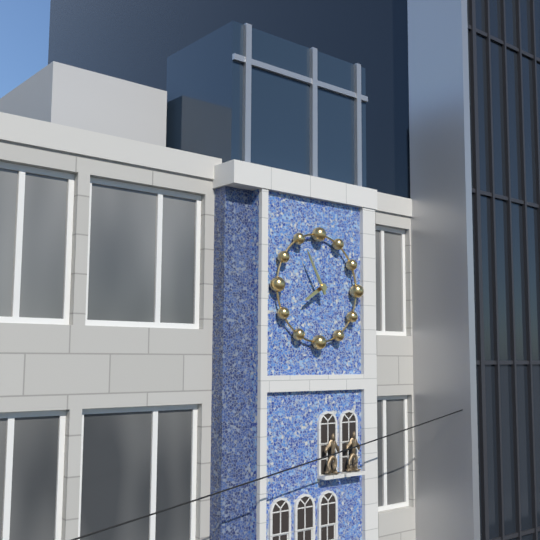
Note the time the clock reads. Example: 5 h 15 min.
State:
7 h 55 min
